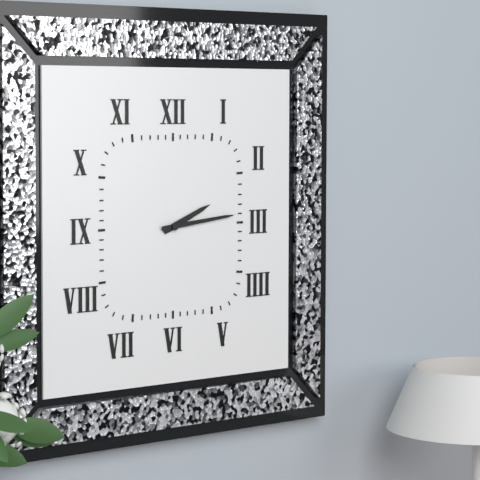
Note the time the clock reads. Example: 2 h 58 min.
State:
2 h 14 min
